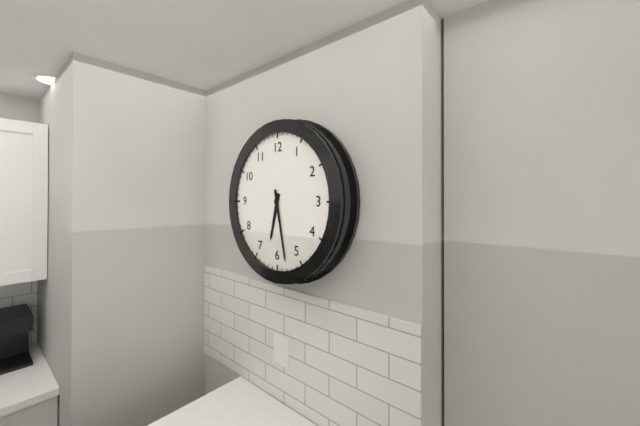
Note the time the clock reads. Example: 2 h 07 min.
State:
6 h 28 min
